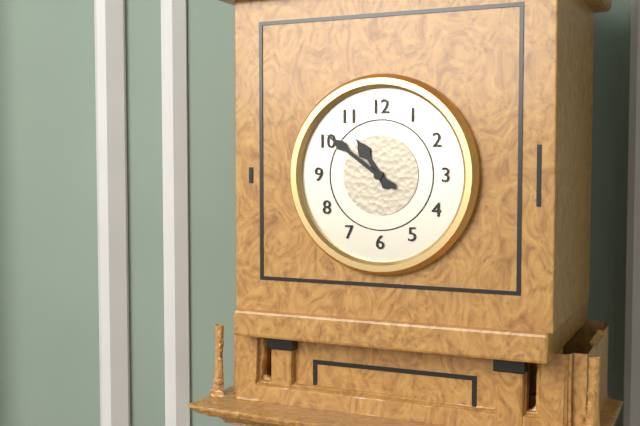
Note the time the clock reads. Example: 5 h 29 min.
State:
10 h 51 min
